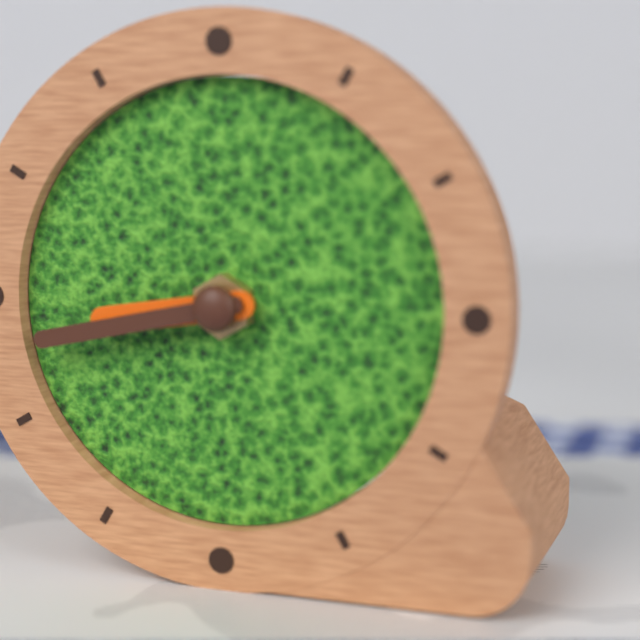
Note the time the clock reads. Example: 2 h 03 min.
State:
8 h 43 min
